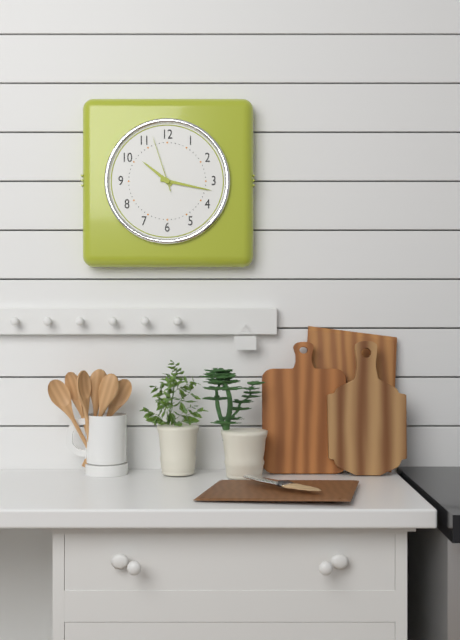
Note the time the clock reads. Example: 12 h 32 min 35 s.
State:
10 h 17 min 57 s
